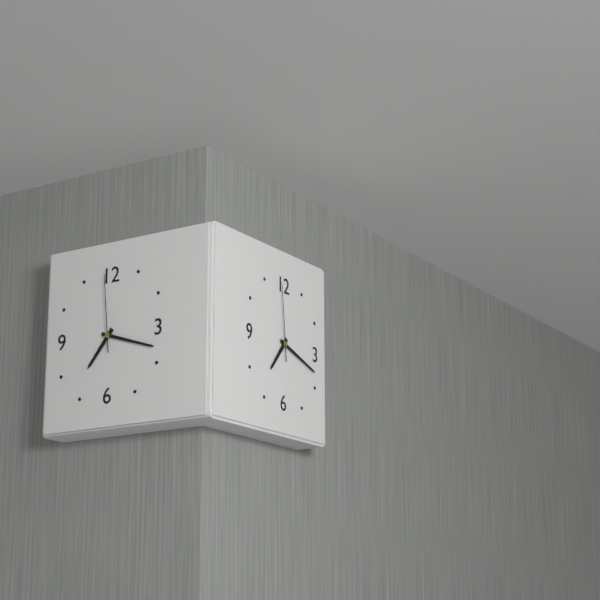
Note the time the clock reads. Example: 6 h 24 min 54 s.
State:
7 h 18 min 59 s
